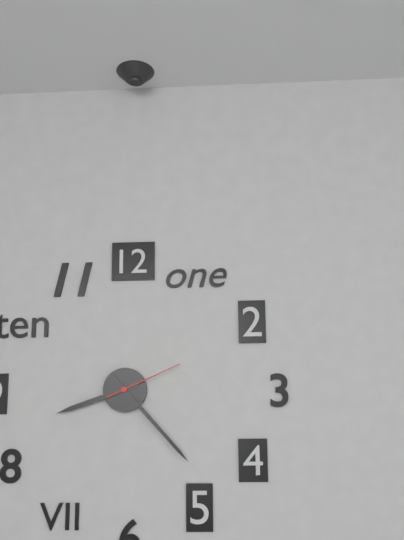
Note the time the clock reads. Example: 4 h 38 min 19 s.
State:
8 h 23 min 11 s
